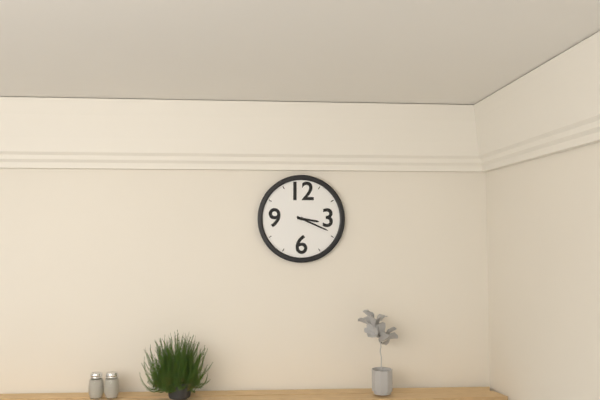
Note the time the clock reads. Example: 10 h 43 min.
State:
3 h 19 min
